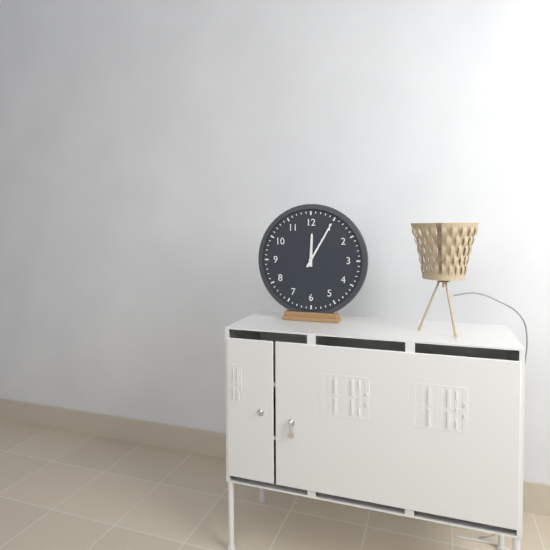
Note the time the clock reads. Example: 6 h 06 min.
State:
12 h 05 min
